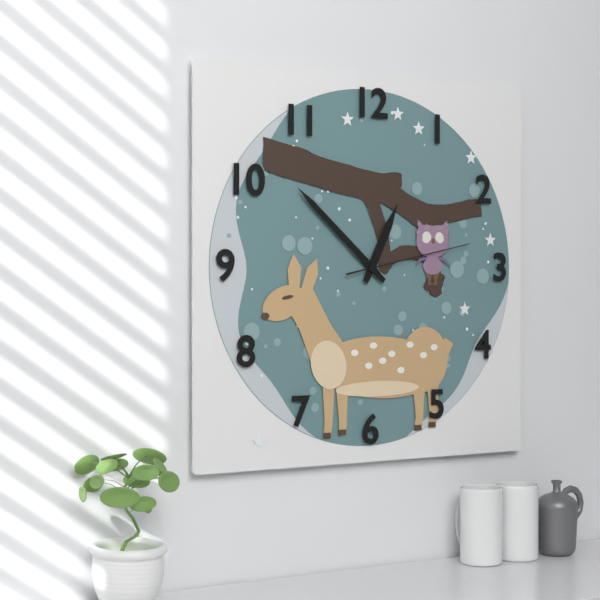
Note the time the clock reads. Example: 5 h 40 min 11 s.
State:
12 h 52 min 13 s
